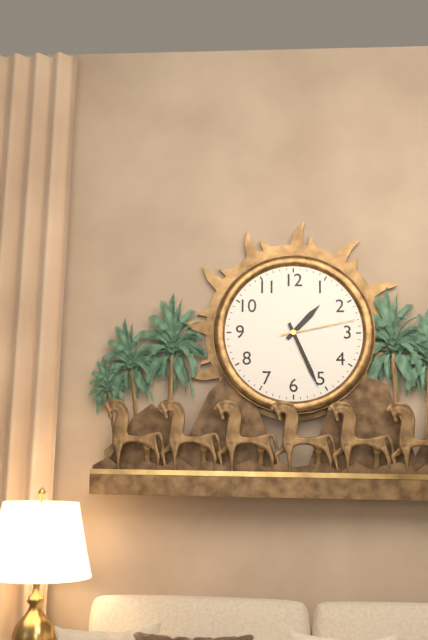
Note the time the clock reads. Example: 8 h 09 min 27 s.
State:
1 h 26 min 13 s
